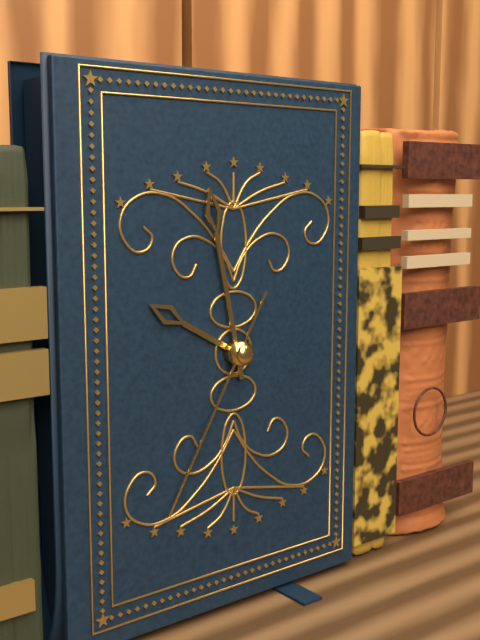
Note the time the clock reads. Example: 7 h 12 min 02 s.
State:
9 h 58 min 35 s
